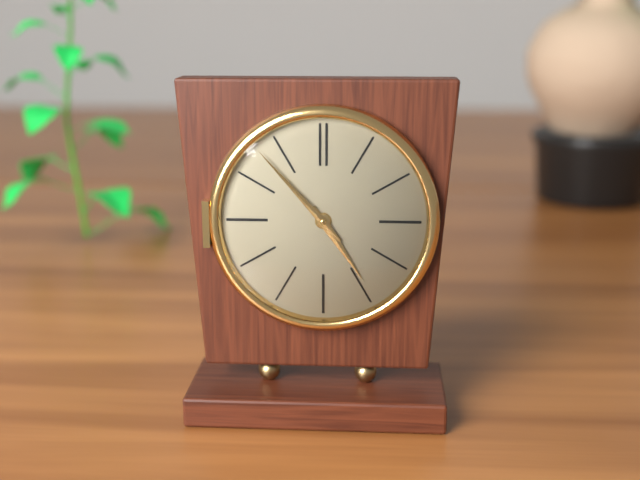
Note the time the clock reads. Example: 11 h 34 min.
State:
4 h 53 min
